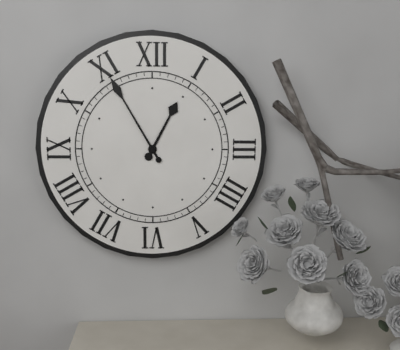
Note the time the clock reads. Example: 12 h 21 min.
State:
12 h 55 min
